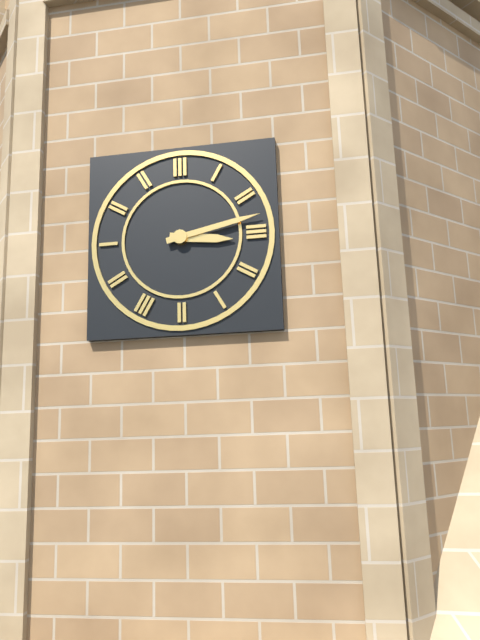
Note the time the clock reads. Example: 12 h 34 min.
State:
3 h 13 min
